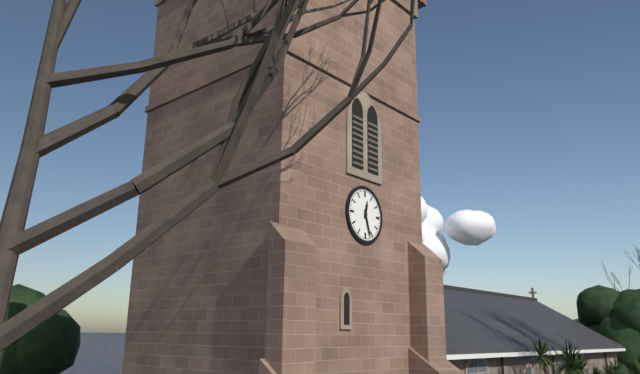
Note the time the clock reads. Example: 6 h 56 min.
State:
12 h 27 min
